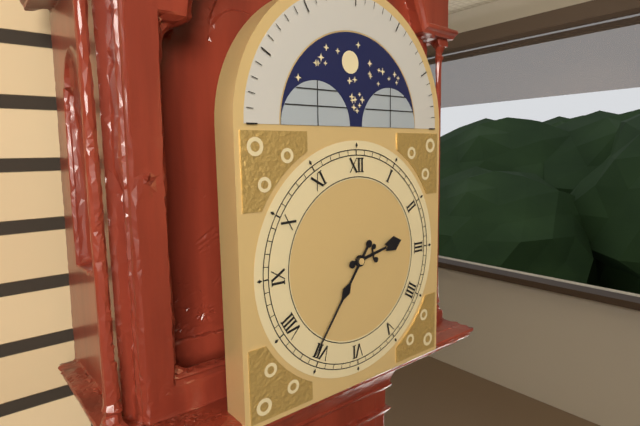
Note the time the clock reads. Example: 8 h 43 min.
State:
2 h 36 min
